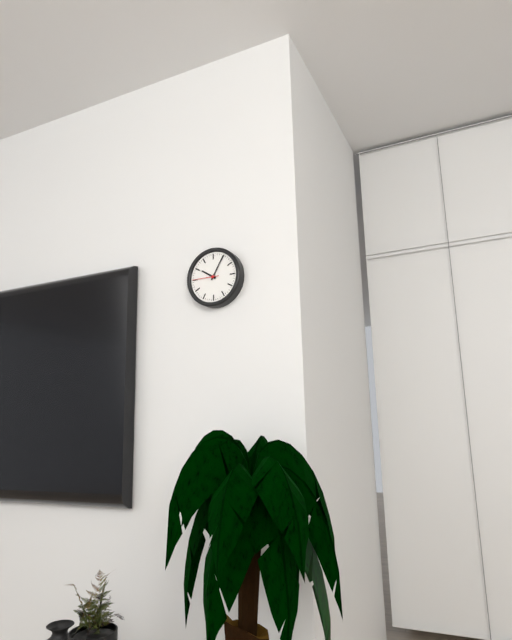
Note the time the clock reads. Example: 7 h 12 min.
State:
10 h 05 min
